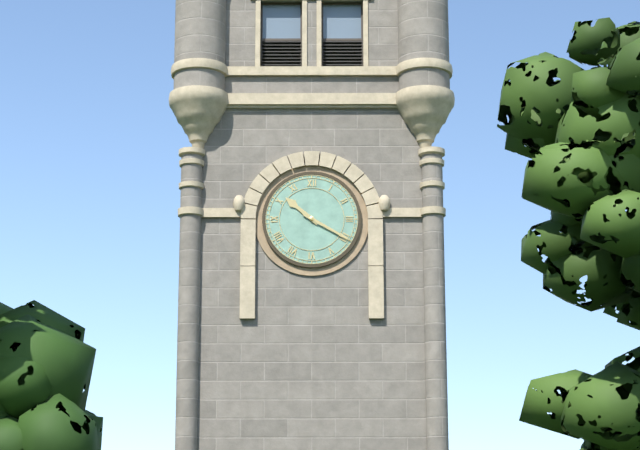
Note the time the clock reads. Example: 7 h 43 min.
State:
10 h 20 min
